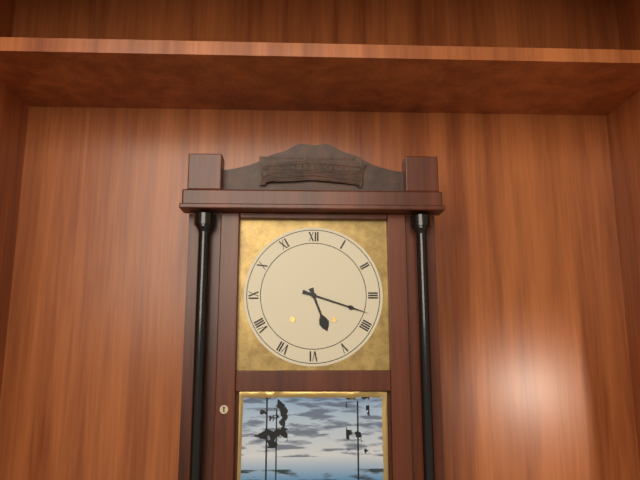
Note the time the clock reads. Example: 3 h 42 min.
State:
5 h 18 min
